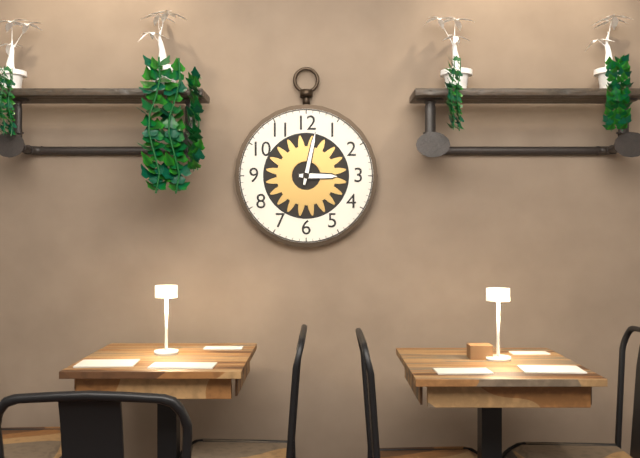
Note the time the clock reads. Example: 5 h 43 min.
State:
3 h 02 min
